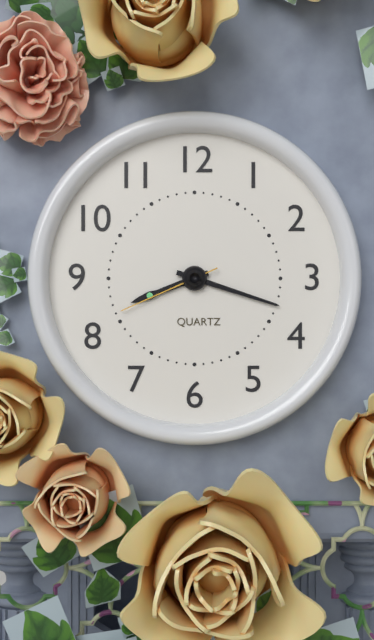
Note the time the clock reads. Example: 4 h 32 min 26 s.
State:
8 h 18 min 41 s
